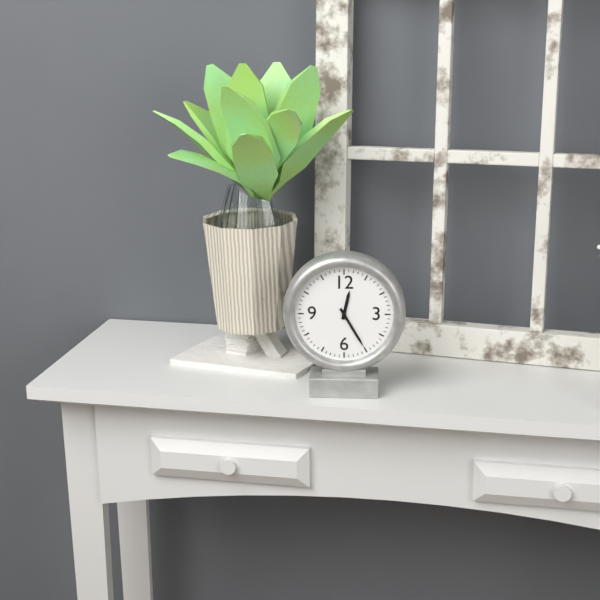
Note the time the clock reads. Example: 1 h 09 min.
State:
12 h 25 min
